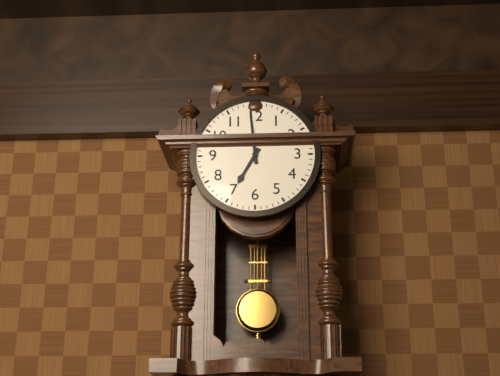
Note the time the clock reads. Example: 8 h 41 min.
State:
6 h 59 min
